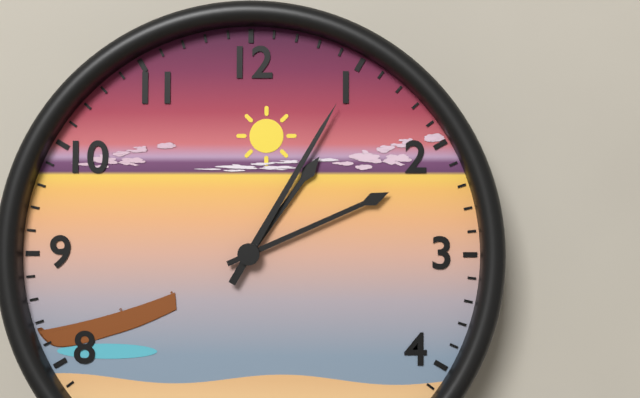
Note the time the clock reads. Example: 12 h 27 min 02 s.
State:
1 h 11 min 05 s
